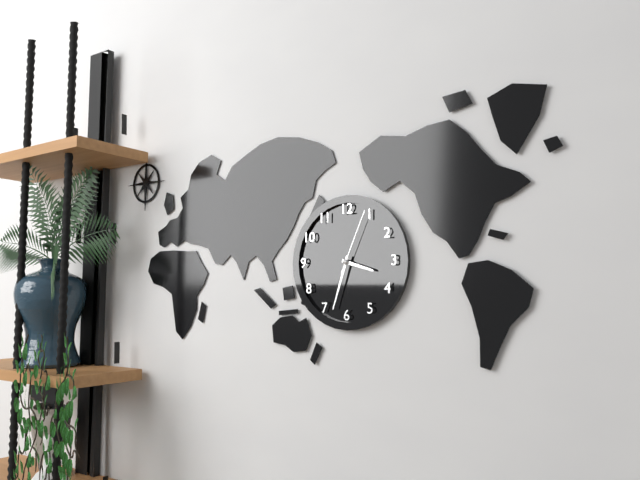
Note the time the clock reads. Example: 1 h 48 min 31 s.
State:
3 h 33 min 04 s
